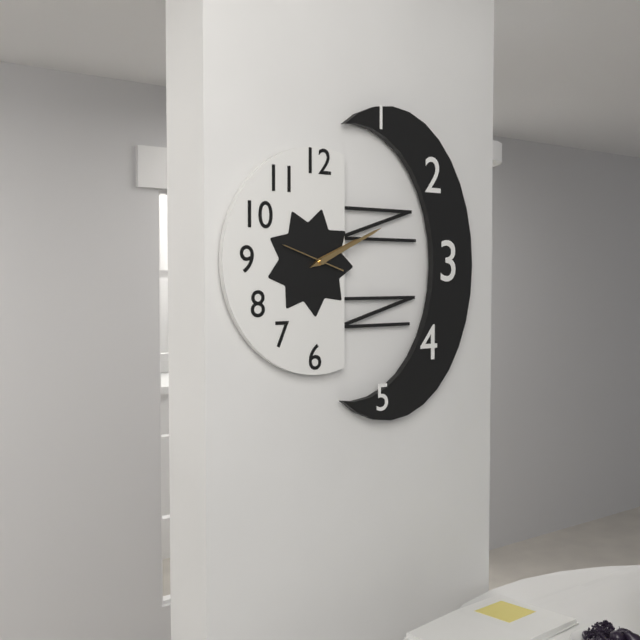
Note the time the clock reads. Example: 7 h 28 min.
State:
2 h 11 min
